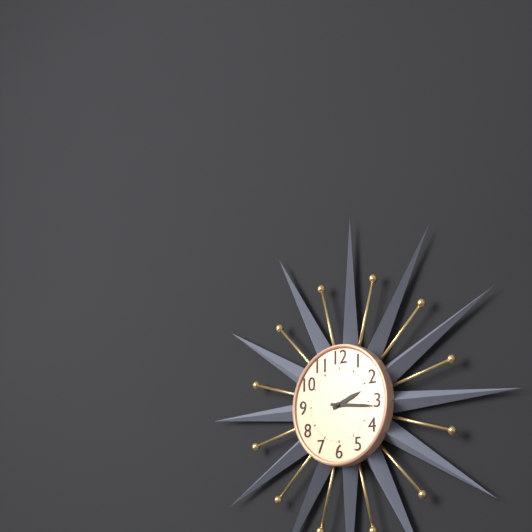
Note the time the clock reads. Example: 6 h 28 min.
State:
2 h 16 min
